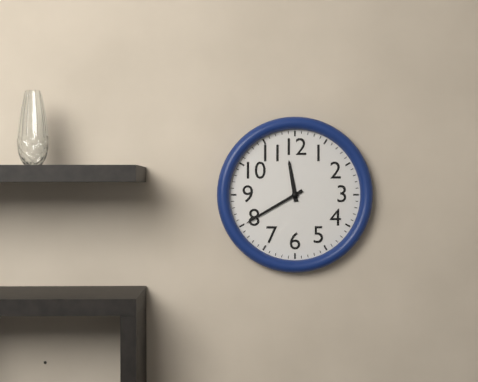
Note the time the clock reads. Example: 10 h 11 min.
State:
11 h 40 min
